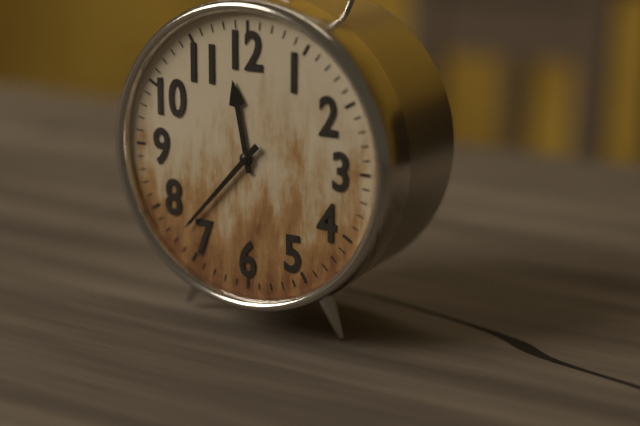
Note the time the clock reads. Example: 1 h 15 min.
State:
11 h 37 min
